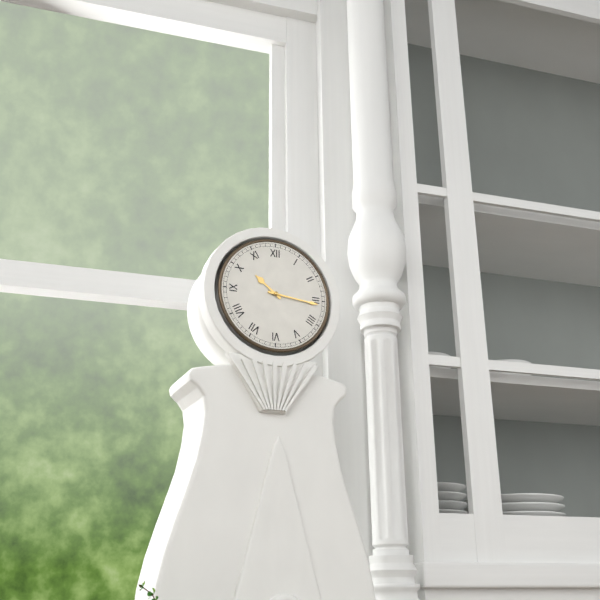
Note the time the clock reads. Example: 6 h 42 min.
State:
10 h 16 min
